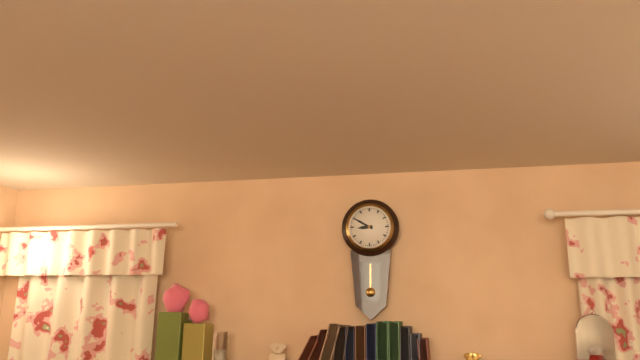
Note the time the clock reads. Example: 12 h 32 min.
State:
8 h 50 min
